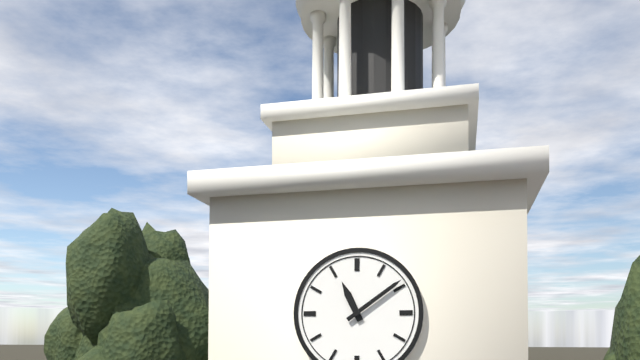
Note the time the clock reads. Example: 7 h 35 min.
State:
11 h 09 min
